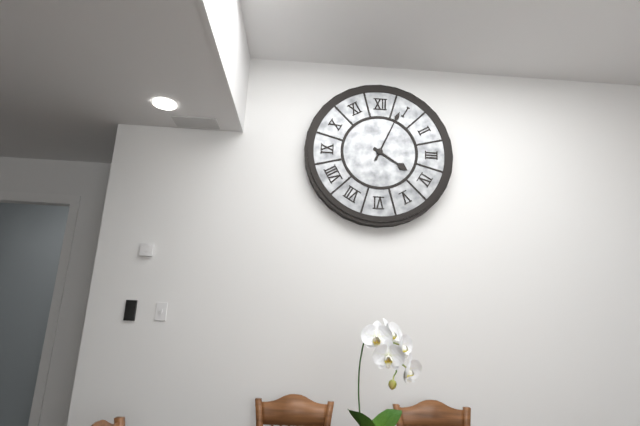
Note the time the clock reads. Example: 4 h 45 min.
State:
4 h 04 min
